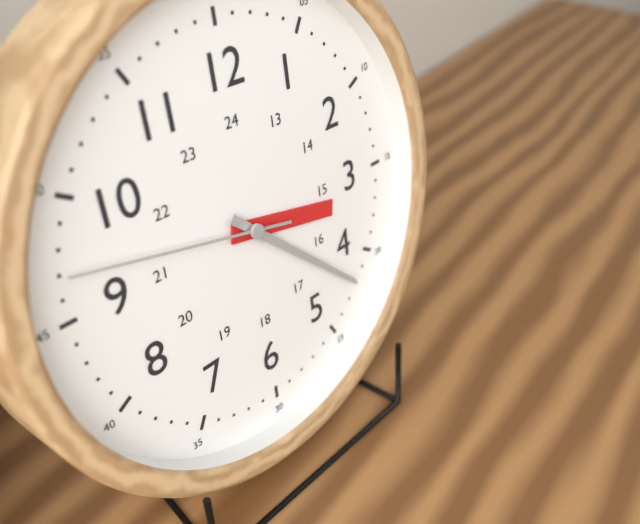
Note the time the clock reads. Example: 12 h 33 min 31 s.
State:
3 h 22 min 47 s
